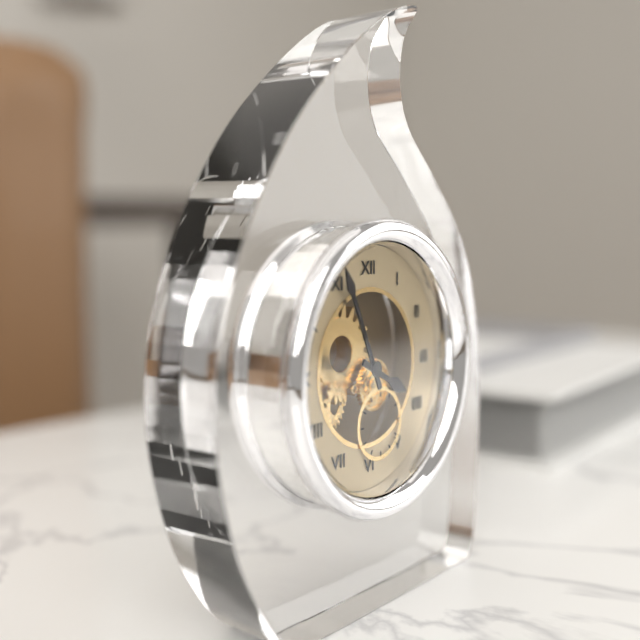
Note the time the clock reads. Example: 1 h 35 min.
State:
3 h 56 min
